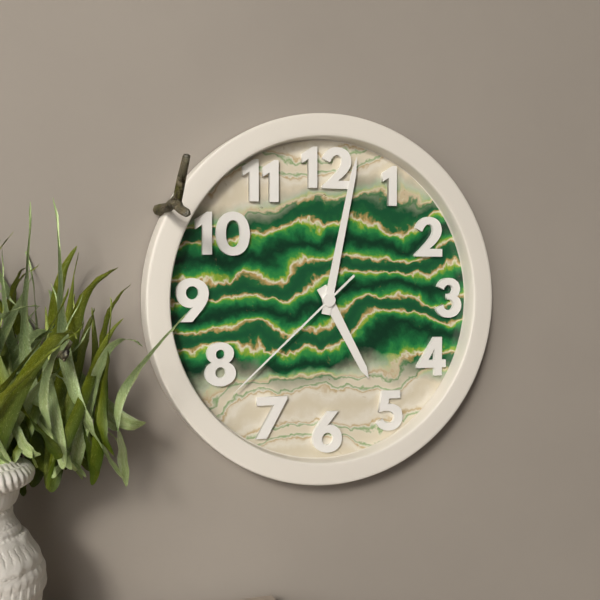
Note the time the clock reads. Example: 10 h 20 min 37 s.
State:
5 h 02 min 38 s
